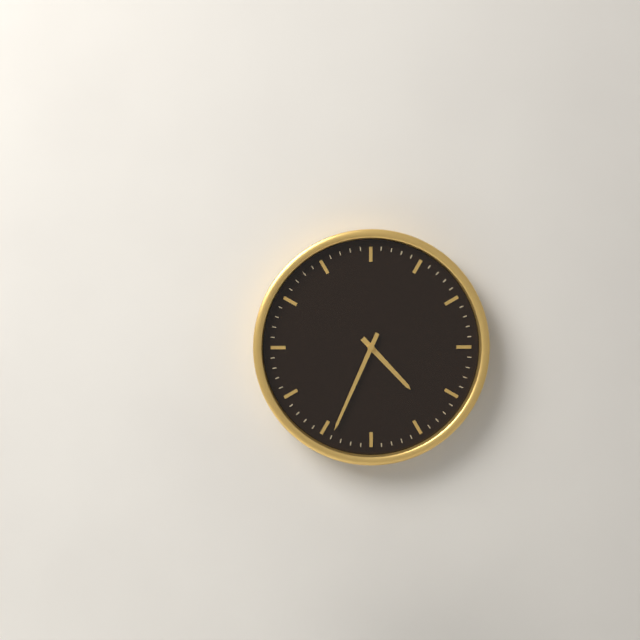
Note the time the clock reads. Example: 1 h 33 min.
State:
4 h 34 min
